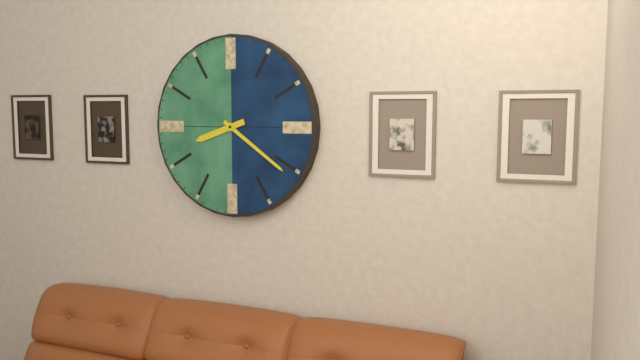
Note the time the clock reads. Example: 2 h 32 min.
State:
8 h 21 min
